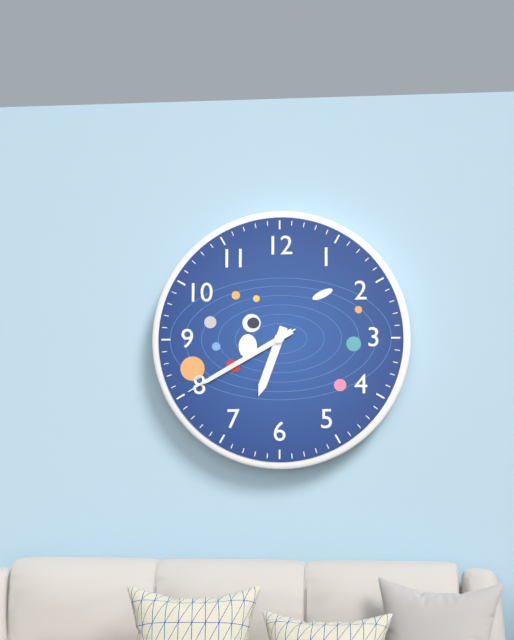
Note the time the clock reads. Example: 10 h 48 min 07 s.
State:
6 h 40 min 40 s
